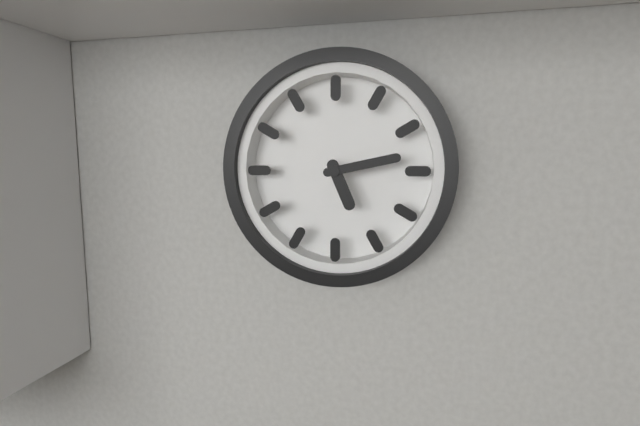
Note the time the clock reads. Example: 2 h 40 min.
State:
5 h 13 min
